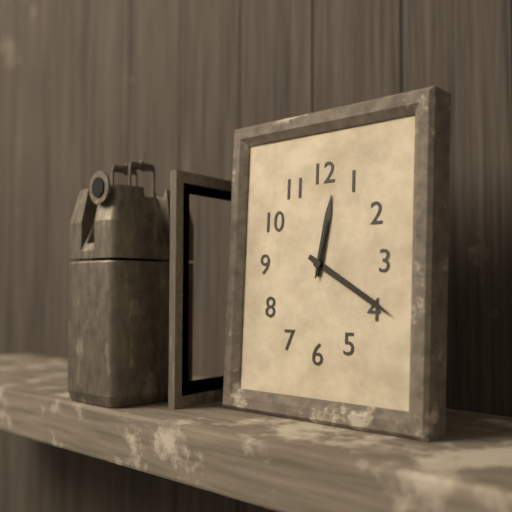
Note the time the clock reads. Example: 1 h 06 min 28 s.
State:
12 h 20 min 02 s
